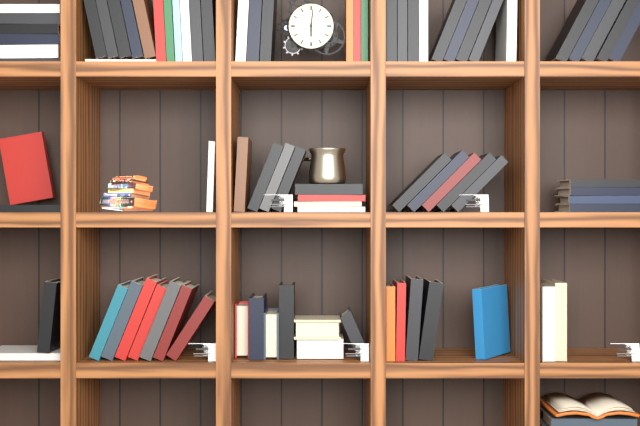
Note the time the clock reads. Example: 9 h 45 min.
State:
6 h 01 min
